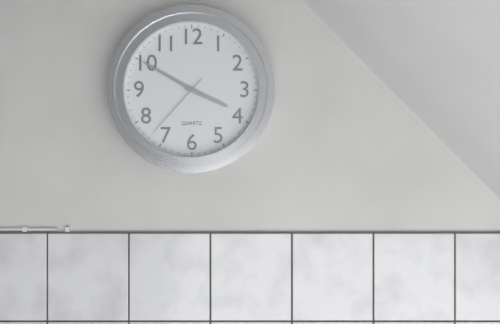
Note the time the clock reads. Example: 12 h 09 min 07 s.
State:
3 h 50 min 37 s
